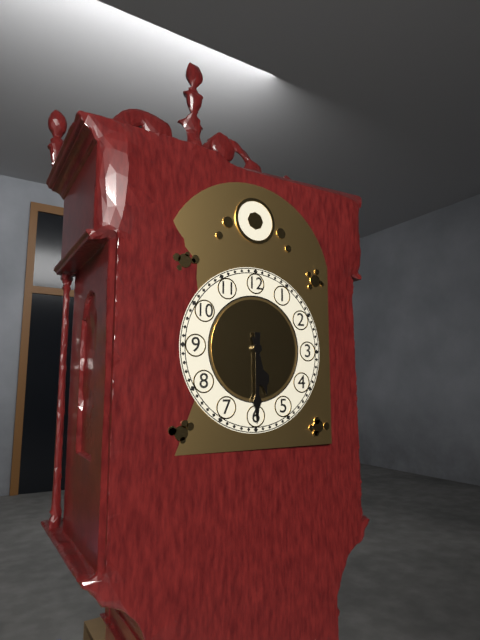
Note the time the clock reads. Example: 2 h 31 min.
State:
5 h 30 min
